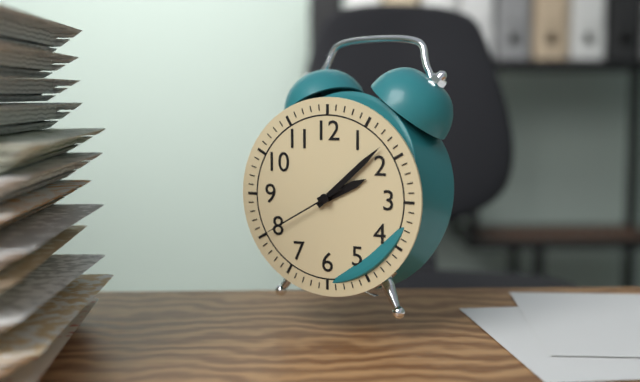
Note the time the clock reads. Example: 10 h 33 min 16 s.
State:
2 h 08 min 40 s
